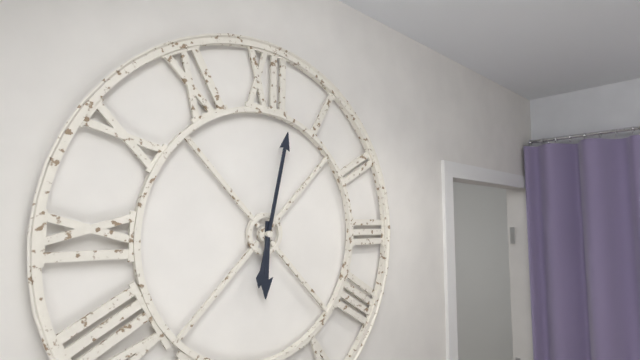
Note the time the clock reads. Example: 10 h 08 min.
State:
6 h 02 min
